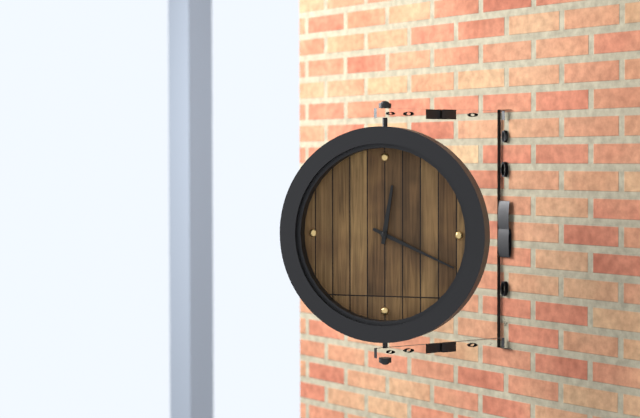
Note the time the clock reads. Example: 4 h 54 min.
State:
12 h 19 min
